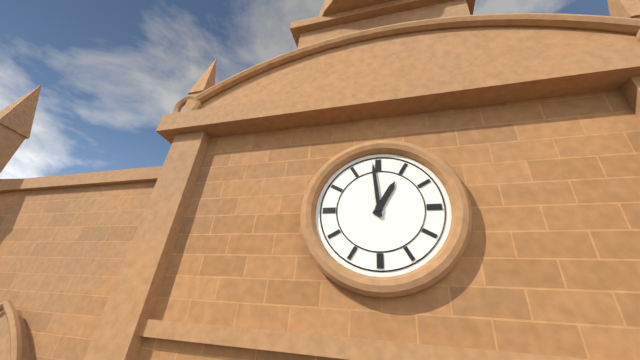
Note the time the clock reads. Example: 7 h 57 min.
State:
12 h 59 min
